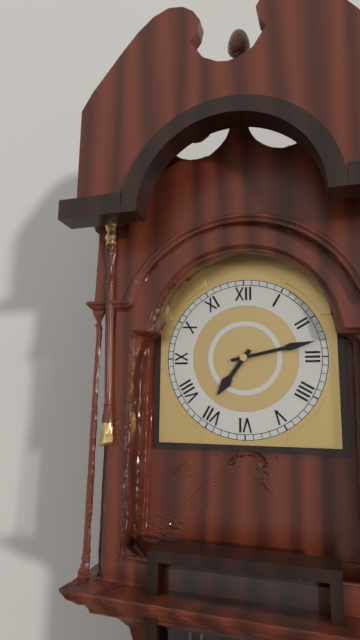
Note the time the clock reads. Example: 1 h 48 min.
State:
7 h 13 min
